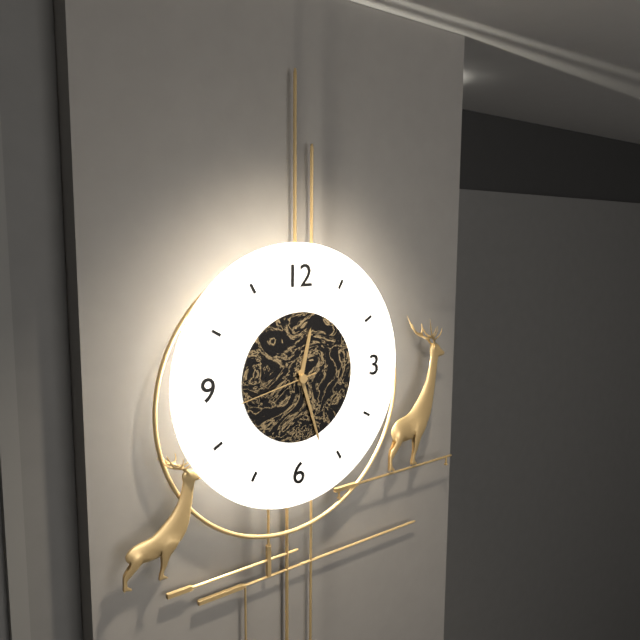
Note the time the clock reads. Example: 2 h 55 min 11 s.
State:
12 h 27 min 43 s
